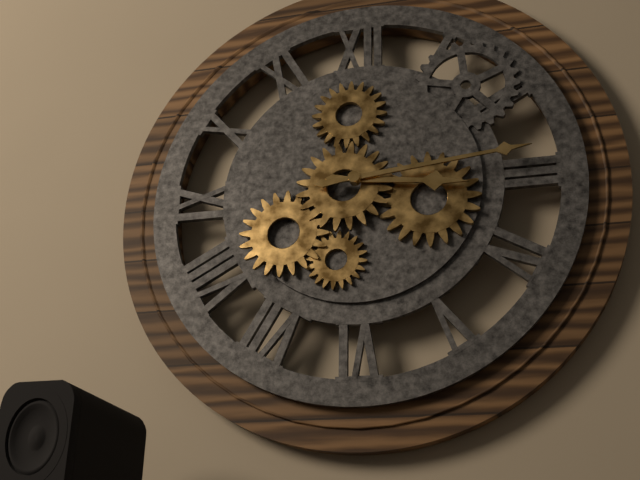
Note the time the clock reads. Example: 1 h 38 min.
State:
3 h 14 min
